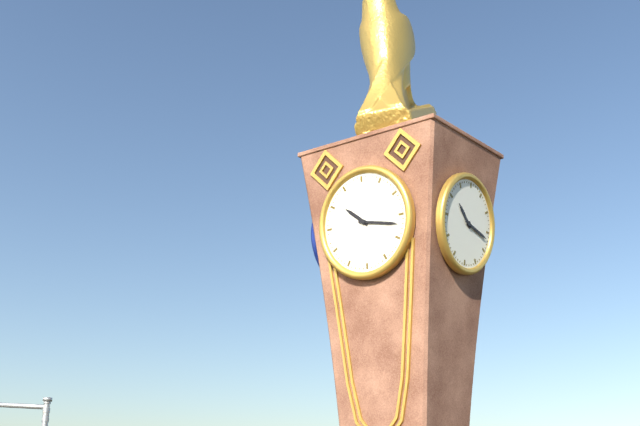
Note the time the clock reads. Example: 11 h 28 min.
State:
10 h 17 min
